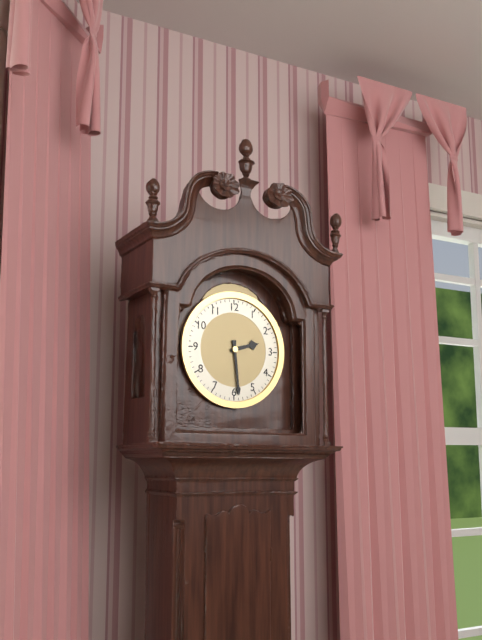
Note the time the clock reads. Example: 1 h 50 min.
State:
2 h 29 min
